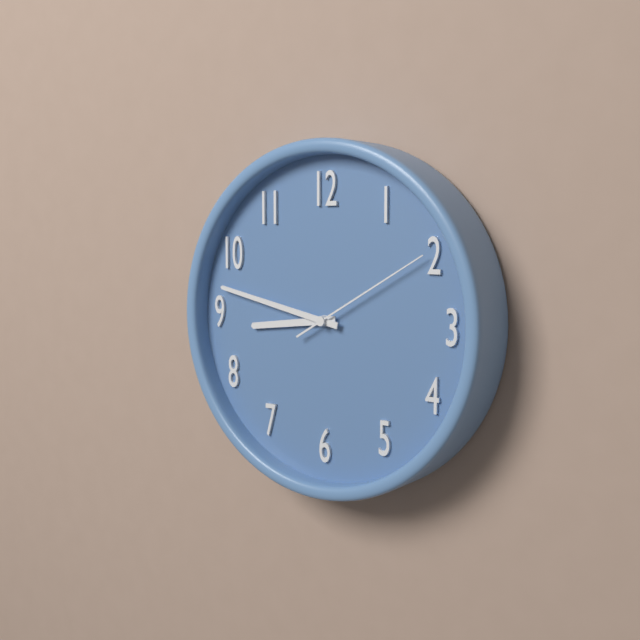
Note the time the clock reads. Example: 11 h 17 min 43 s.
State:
8 h 47 min 10 s
